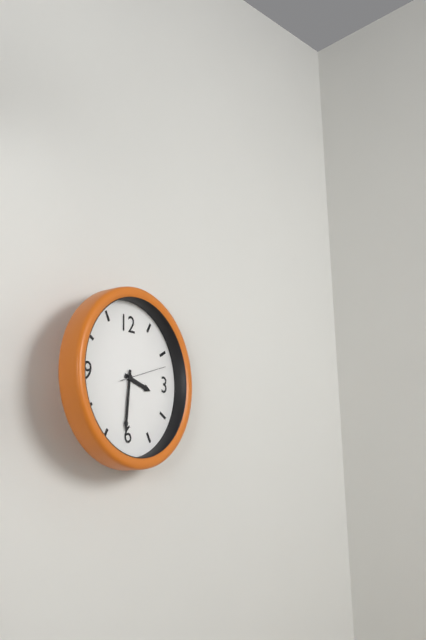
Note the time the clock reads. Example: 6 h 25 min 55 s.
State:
3 h 31 min 12 s
